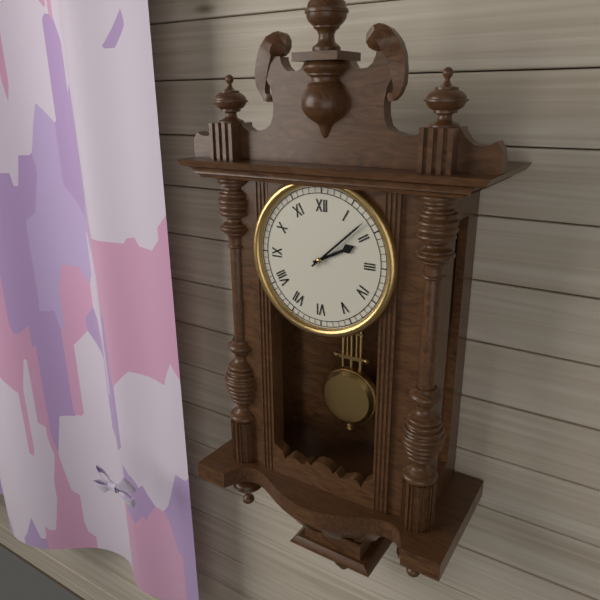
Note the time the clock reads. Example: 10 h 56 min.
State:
2 h 08 min
